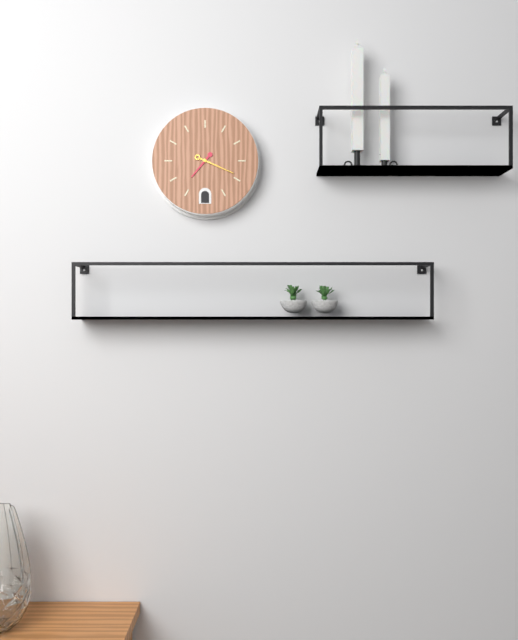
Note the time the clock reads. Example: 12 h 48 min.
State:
7 h 19 min
